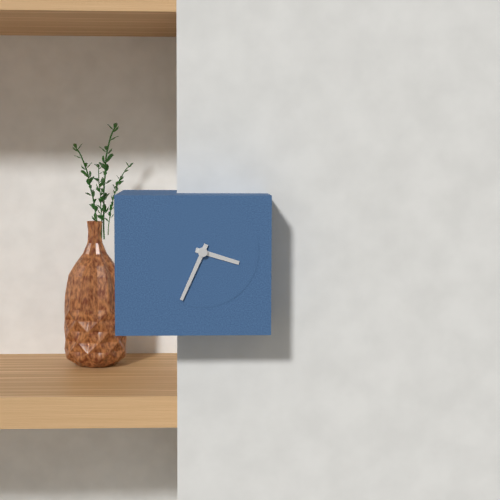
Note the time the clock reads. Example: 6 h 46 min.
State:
3 h 34 min
